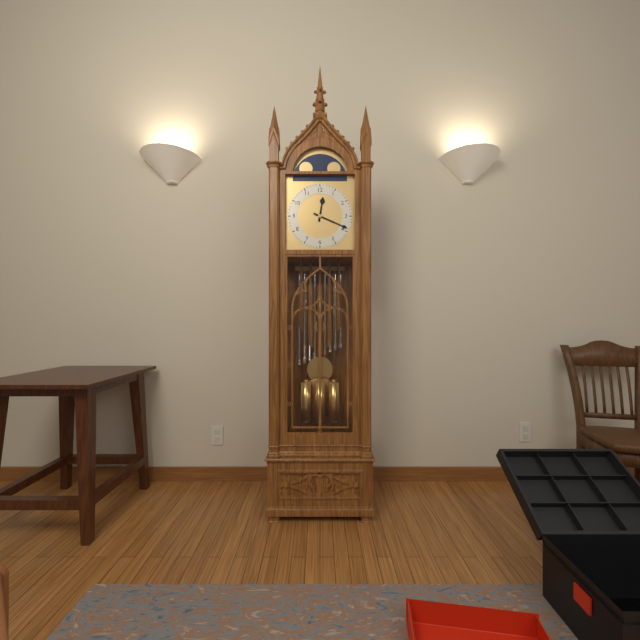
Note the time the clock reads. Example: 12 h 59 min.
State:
12 h 19 min
